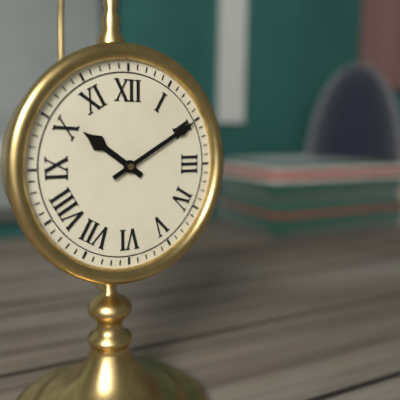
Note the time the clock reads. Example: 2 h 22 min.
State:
10 h 10 min
